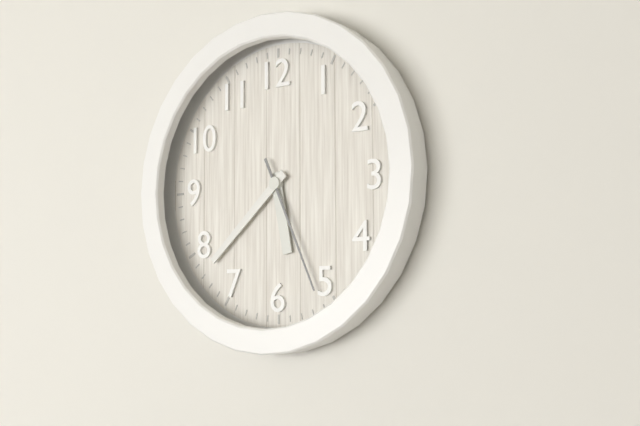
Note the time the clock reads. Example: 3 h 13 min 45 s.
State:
5 h 38 min 26 s
